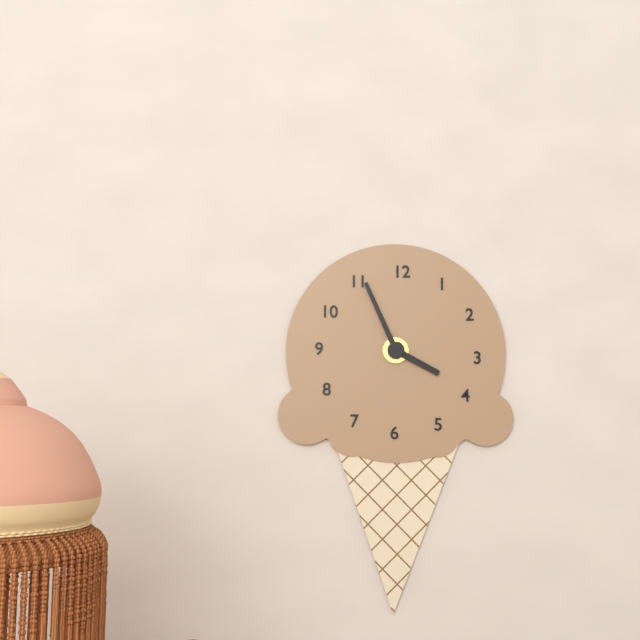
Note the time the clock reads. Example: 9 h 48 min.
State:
3 h 56 min
